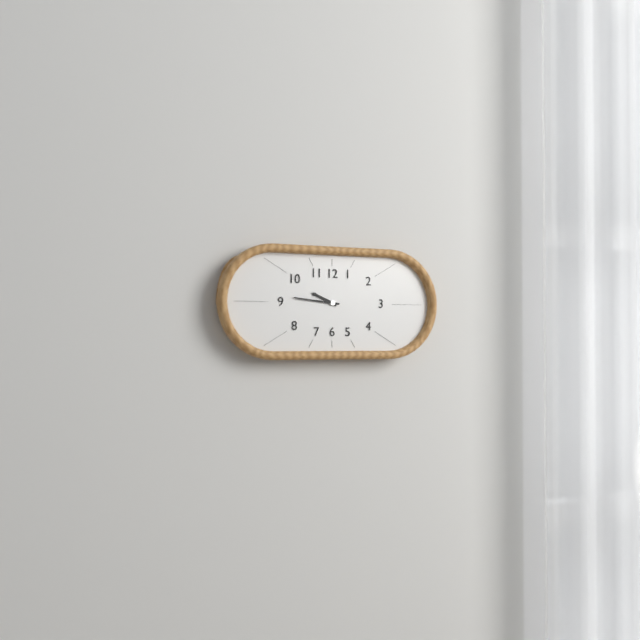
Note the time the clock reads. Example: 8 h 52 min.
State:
9 h 46 min
